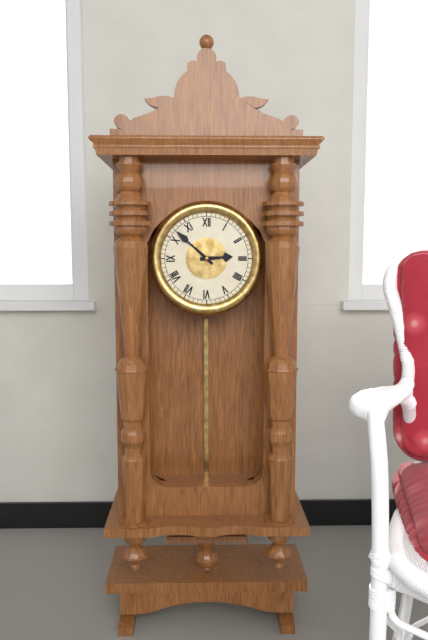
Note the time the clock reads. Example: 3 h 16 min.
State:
2 h 52 min
